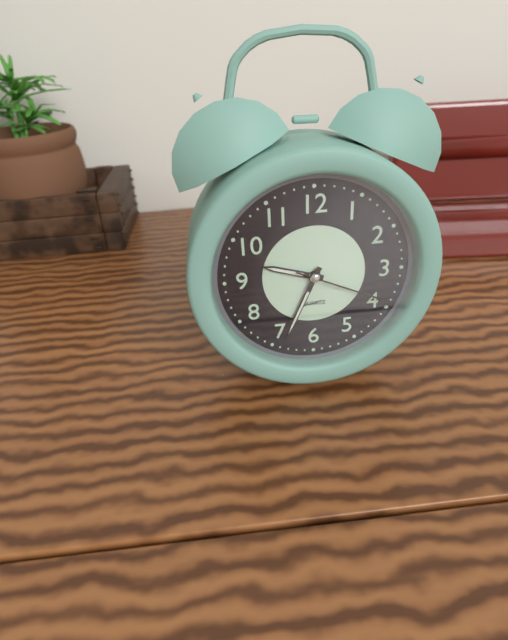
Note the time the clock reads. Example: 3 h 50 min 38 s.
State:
9 h 34 min 19 s
